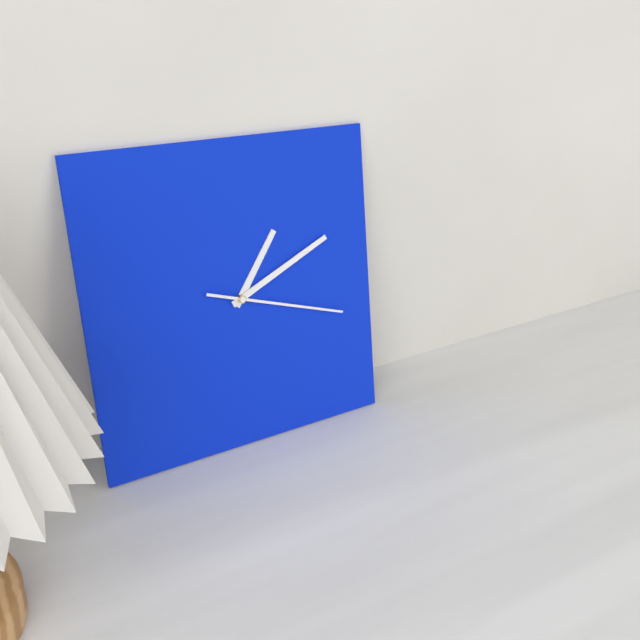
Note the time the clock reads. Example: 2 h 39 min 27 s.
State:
1 h 11 min 18 s
